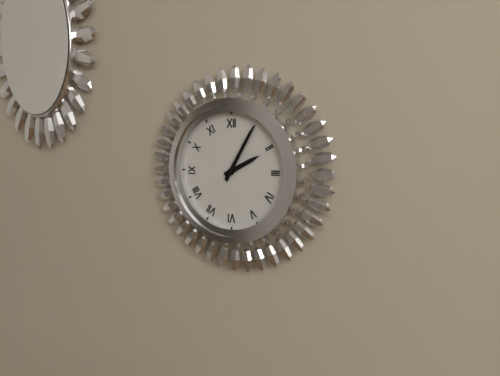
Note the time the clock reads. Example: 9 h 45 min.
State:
2 h 05 min
